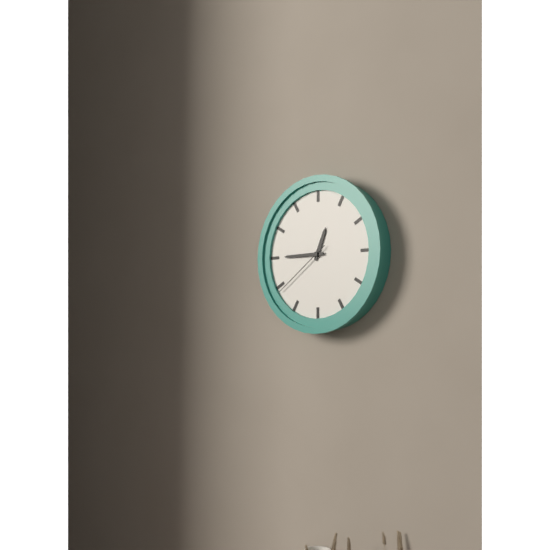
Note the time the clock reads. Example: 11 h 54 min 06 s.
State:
12 h 45 min 39 s
